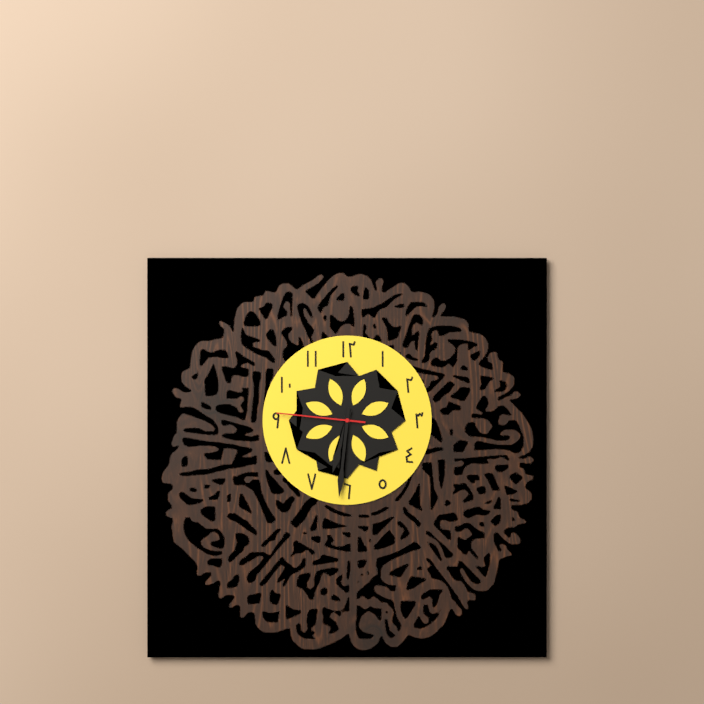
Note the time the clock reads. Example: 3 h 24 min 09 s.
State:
6 h 31 min 46 s
